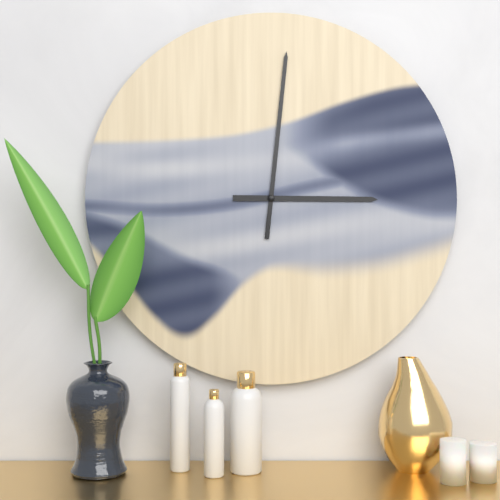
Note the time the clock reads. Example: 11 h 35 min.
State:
3 h 01 min
